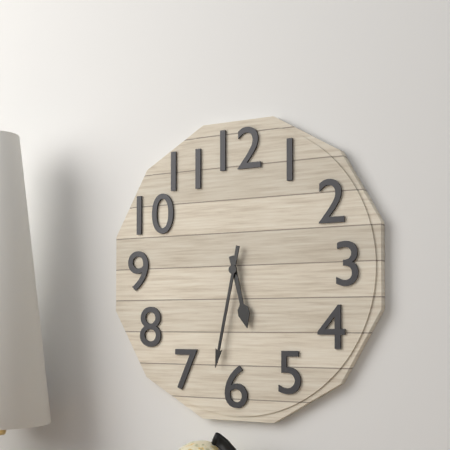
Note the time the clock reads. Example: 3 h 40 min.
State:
5 h 32 min
